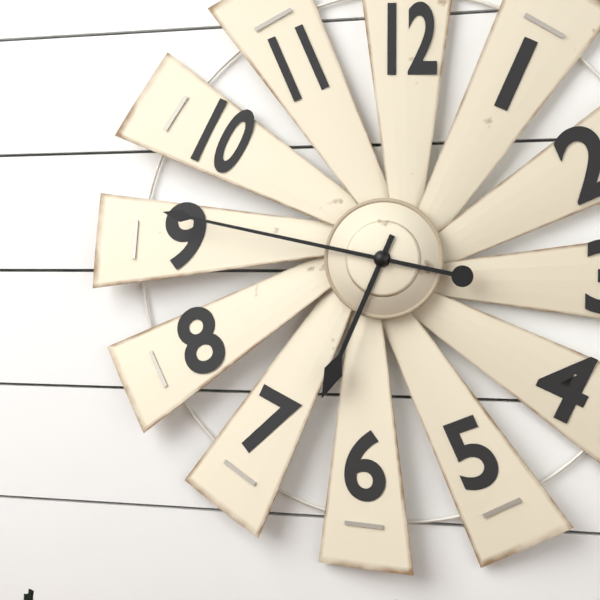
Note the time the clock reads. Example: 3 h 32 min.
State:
6 h 47 min
